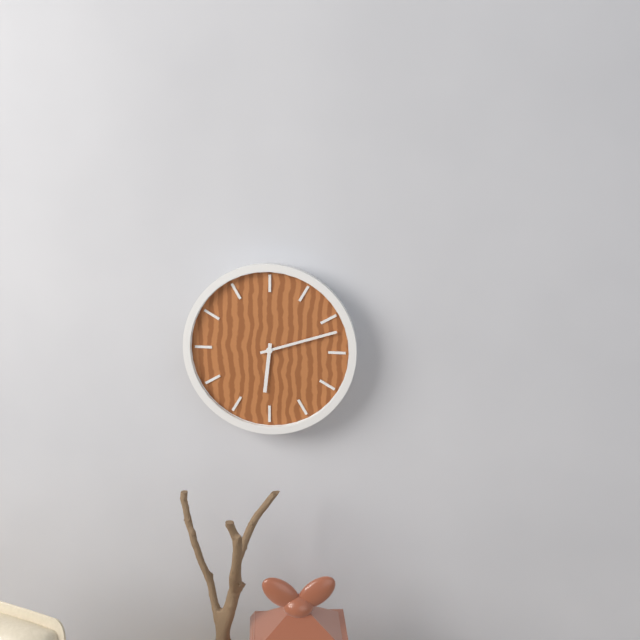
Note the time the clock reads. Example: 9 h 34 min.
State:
6 h 12 min
